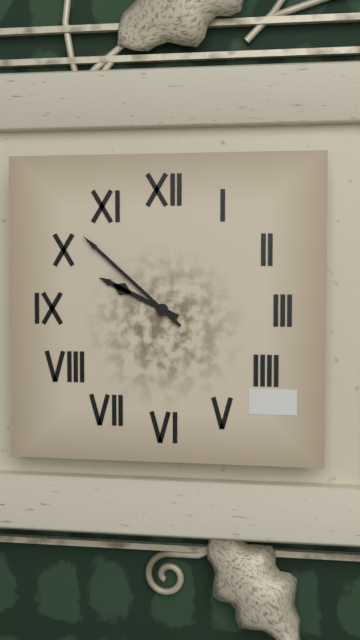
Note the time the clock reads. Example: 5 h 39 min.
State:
9 h 52 min
